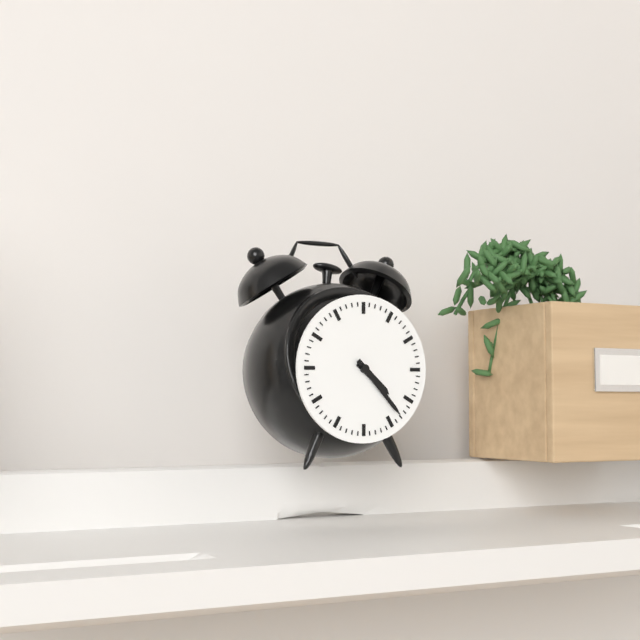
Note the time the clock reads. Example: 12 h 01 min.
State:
4 h 23 min
